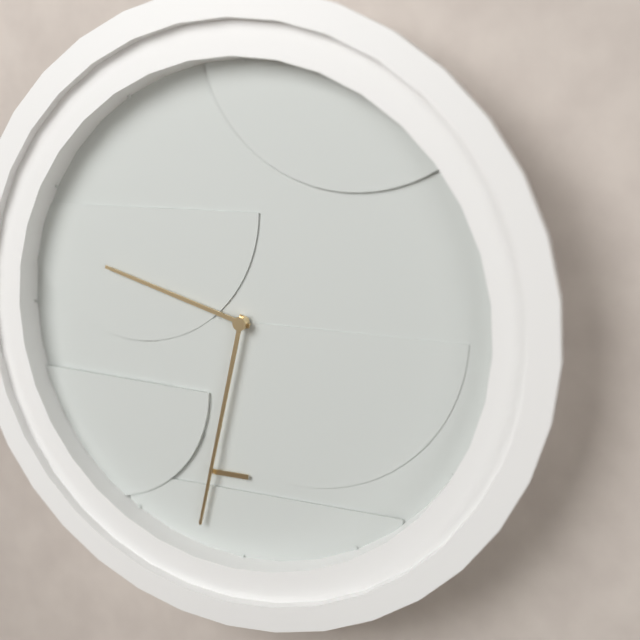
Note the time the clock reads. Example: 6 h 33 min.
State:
9 h 32 min
